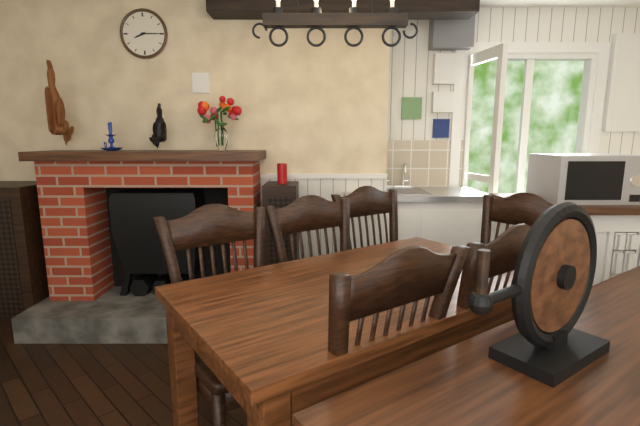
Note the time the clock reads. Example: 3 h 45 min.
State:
8 h 15 min
